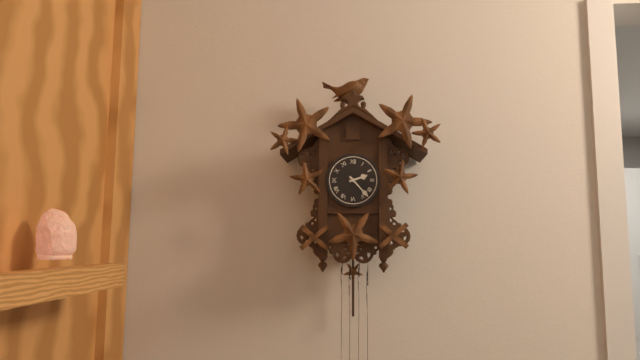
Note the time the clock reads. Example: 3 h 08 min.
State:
2 h 23 min
